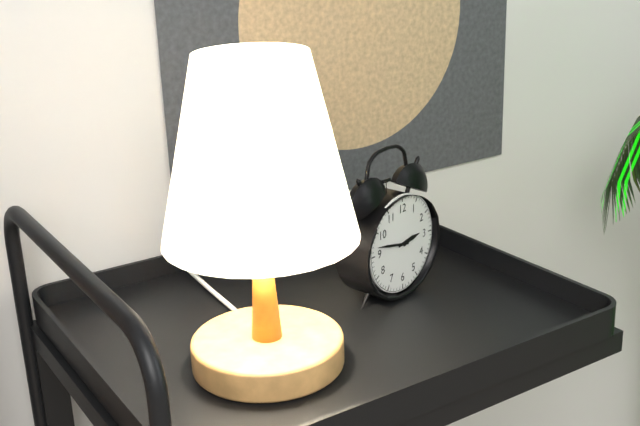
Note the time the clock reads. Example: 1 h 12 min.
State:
2 h 47 min
